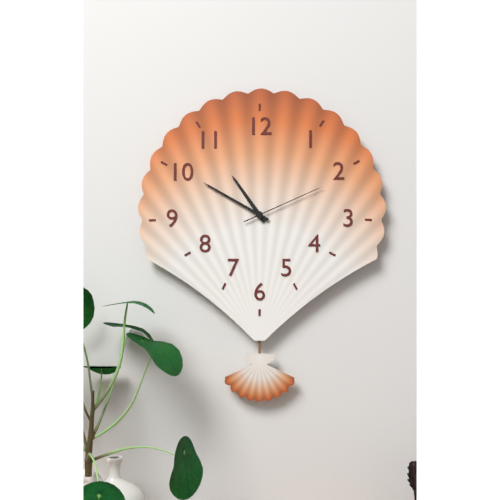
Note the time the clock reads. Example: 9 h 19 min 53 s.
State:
10 h 50 min 11 s
